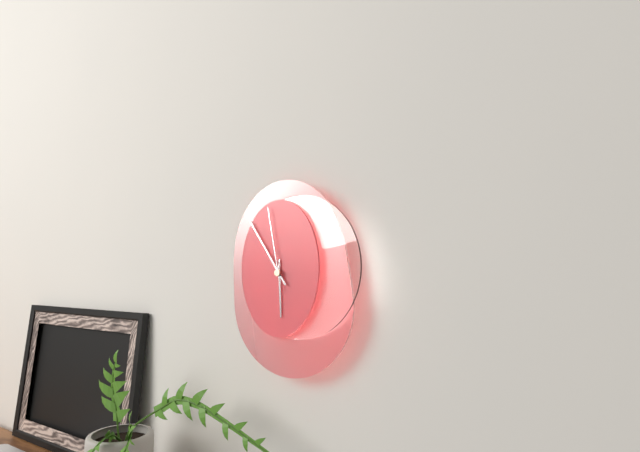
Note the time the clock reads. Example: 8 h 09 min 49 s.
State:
5 h 54 min 58 s
